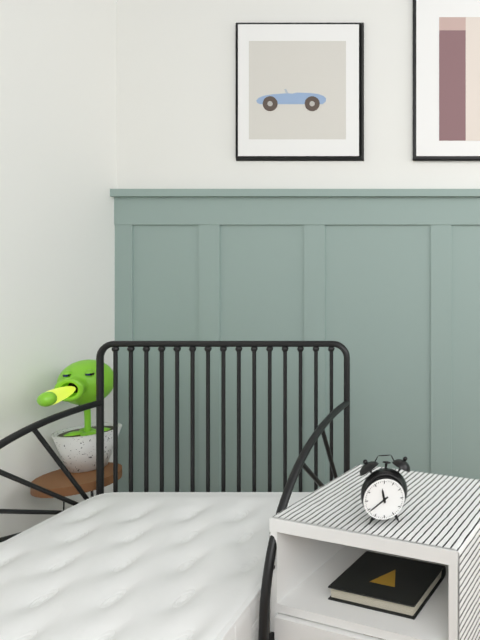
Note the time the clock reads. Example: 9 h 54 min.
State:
11 h 39 min
